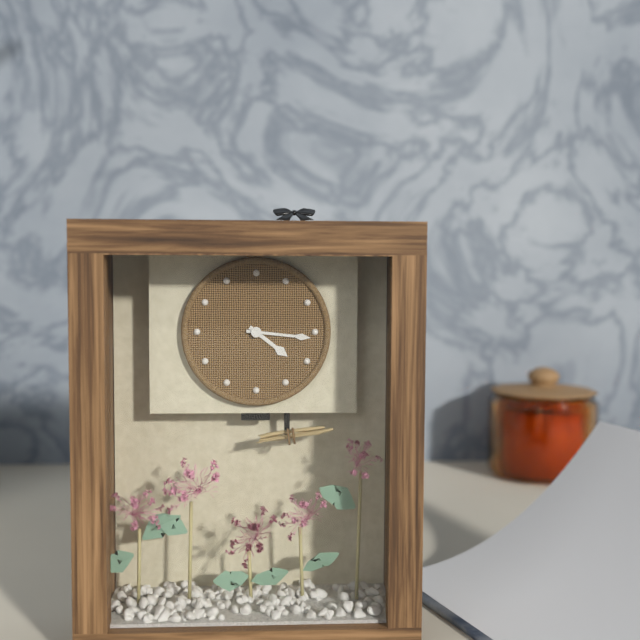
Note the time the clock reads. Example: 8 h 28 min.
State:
4 h 16 min
